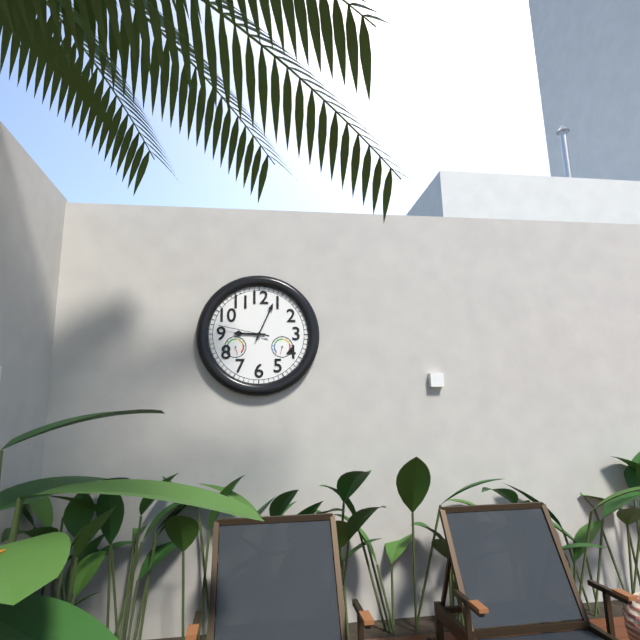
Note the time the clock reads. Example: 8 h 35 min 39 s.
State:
9 h 04 min 47 s
